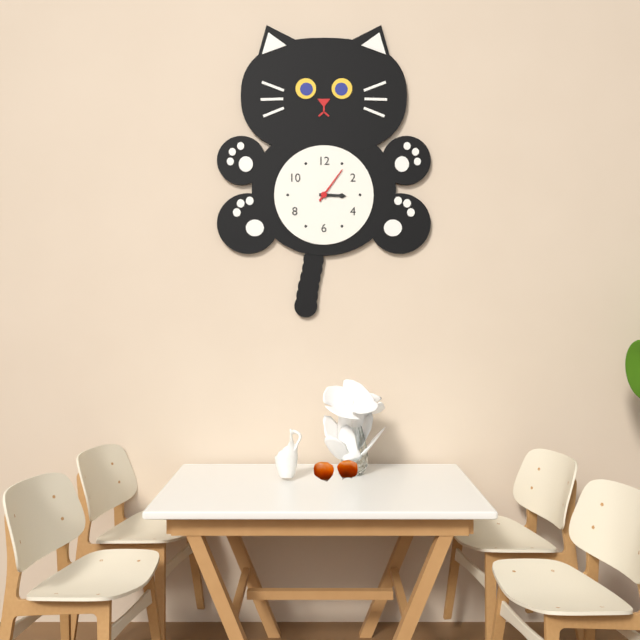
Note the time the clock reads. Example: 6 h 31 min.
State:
3 h 06 min
